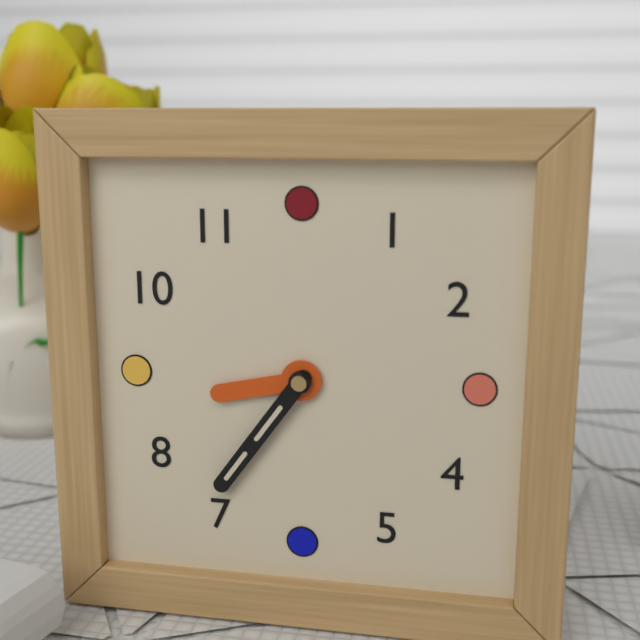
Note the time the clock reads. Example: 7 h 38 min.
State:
8 h 36 min
